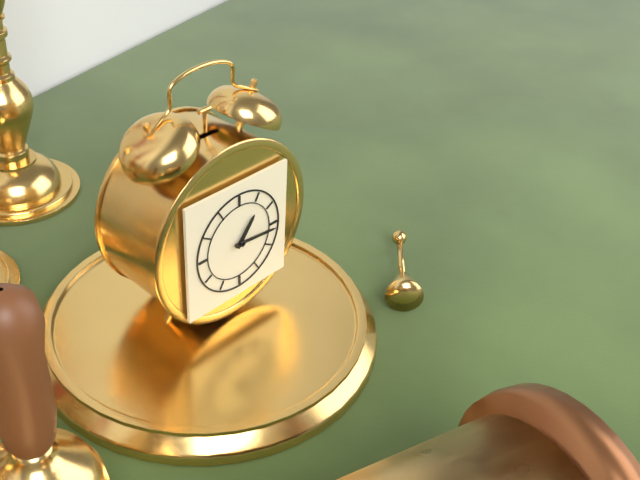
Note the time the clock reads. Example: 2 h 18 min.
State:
1 h 16 min
